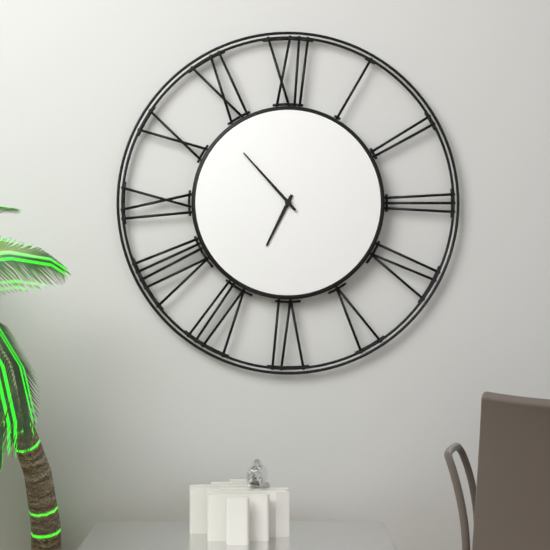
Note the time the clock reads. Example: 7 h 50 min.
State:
6 h 53 min
